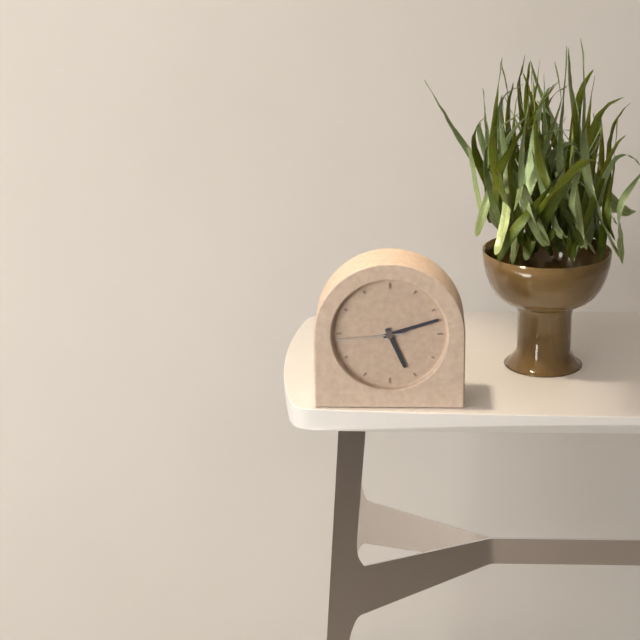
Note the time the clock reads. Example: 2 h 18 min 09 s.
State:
5 h 12 min 44 s
